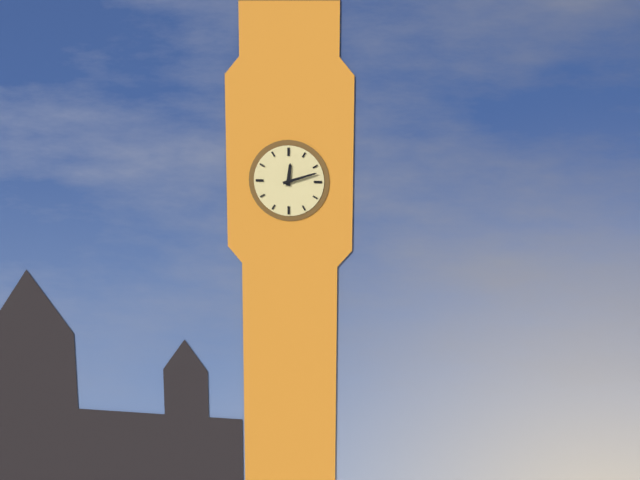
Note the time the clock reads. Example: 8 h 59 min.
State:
12 h 12 min
